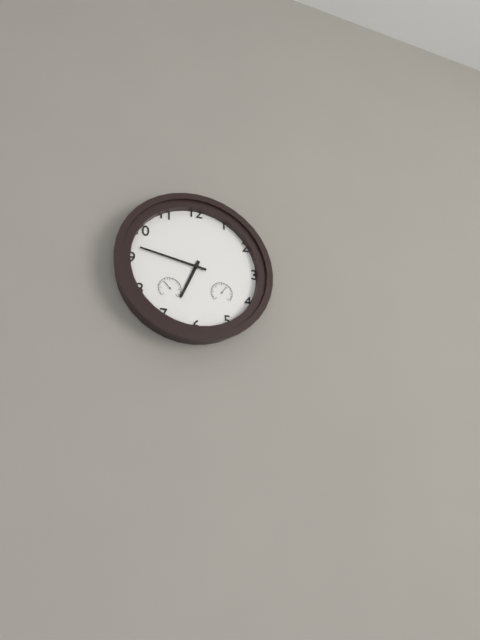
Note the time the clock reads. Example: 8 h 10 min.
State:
6 h 47 min
